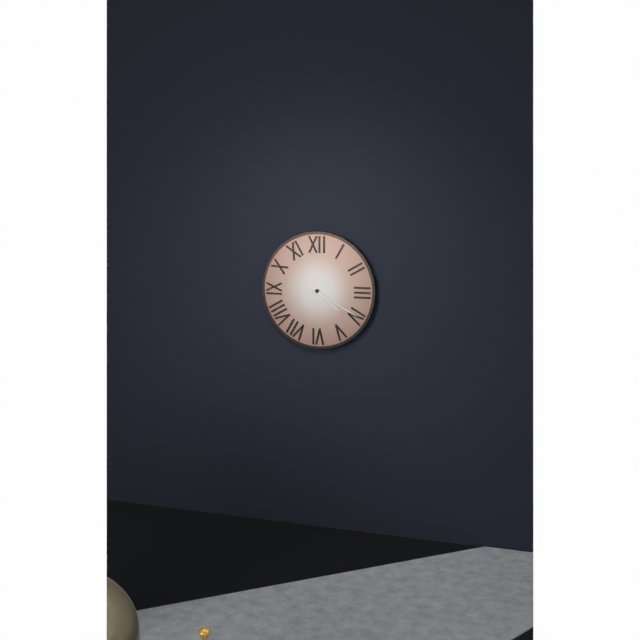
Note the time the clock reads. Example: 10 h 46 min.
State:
4 h 20 min
